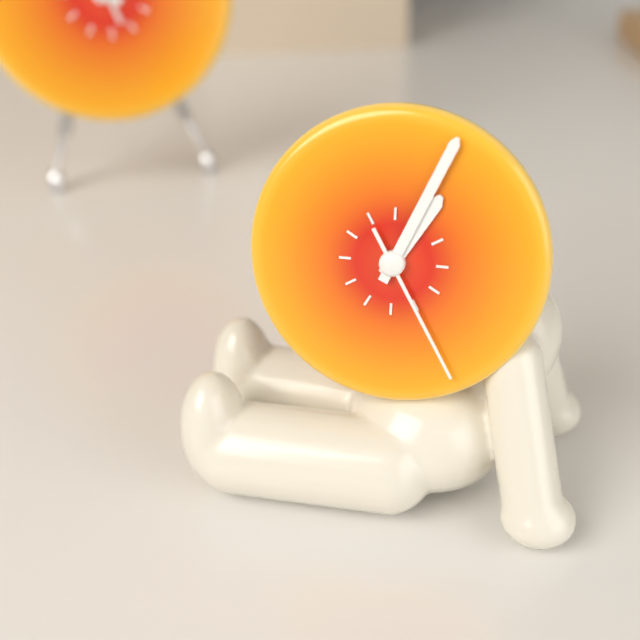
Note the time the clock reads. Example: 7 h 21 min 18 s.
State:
1 h 04 min 25 s
